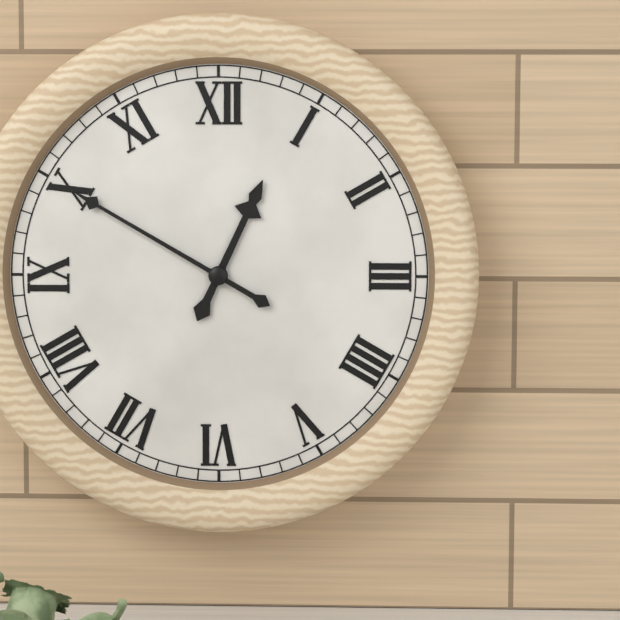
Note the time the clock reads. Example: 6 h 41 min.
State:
12 h 50 min
